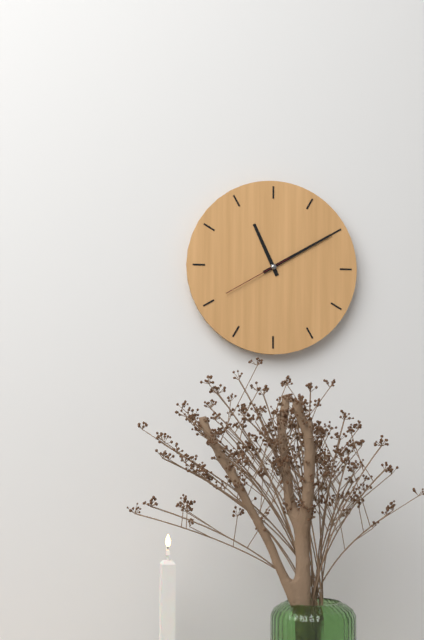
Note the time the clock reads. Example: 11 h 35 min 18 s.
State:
11 h 10 min 40 s
